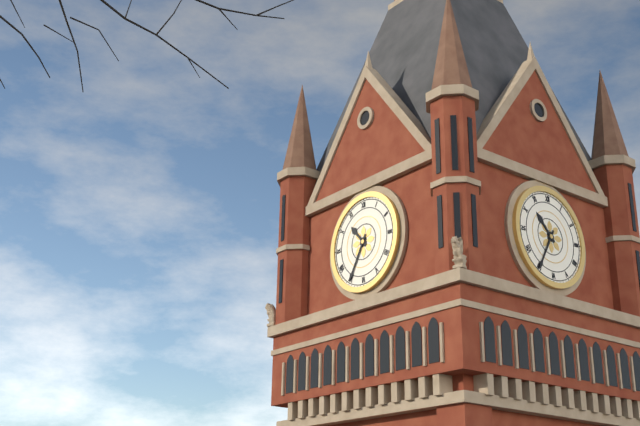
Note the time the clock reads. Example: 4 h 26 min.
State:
10 h 35 min
